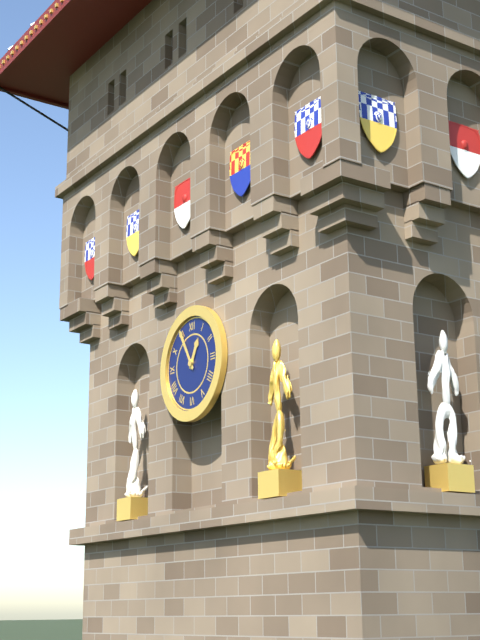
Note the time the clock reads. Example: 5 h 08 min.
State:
12 h 55 min
